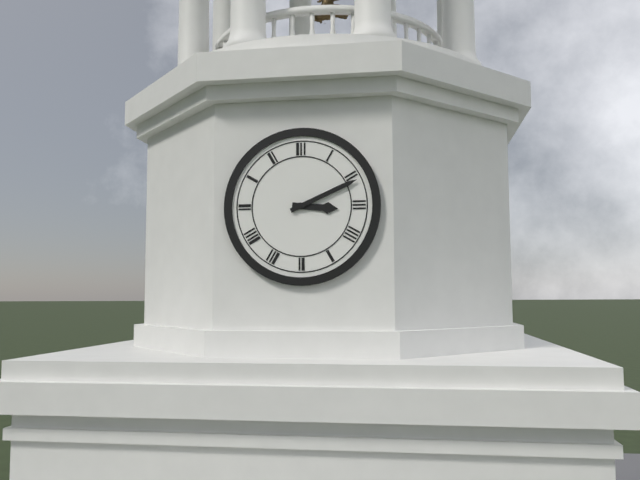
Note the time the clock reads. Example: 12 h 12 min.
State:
3 h 11 min
